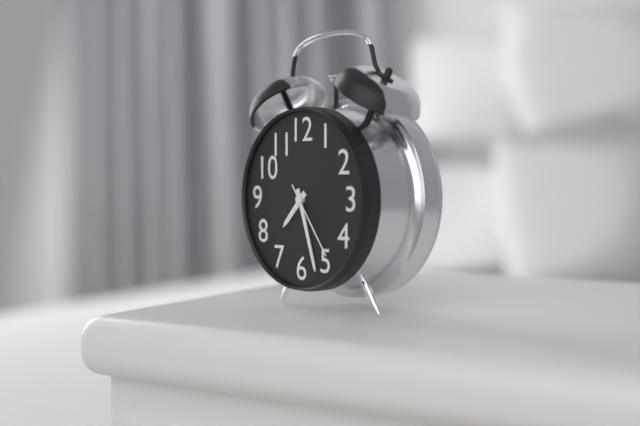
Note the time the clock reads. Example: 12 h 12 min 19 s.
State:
7 h 27 min 24 s
